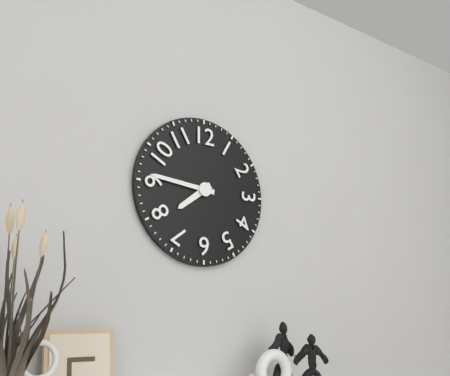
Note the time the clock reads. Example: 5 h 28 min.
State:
7 h 46 min
